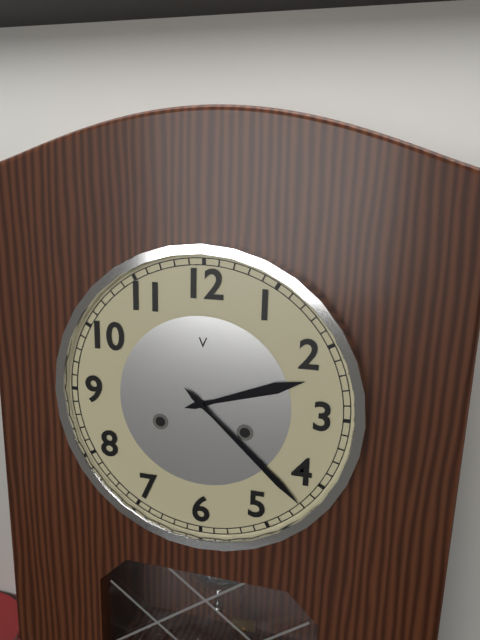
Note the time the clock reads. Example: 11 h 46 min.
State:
2 h 22 min
